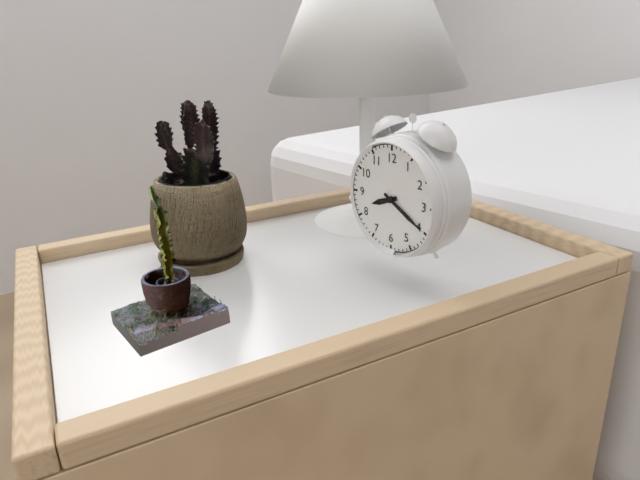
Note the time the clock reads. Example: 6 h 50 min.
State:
8 h 20 min
